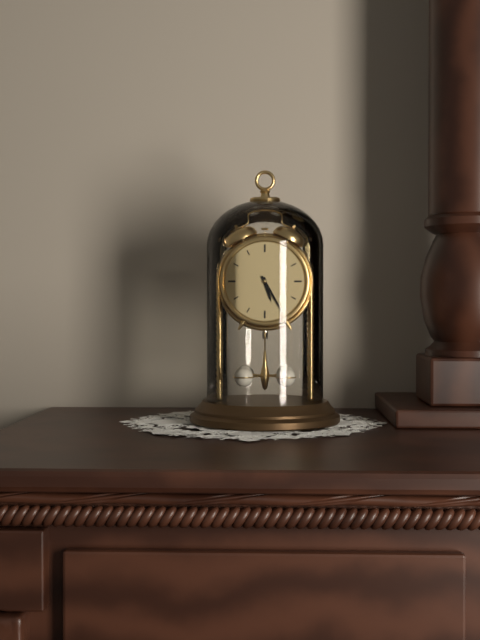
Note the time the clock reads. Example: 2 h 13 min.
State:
5 h 25 min
